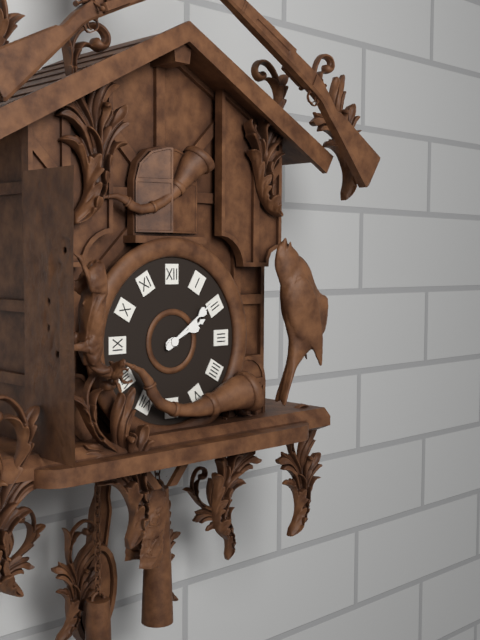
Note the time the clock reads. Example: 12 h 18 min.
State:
2 h 09 min
